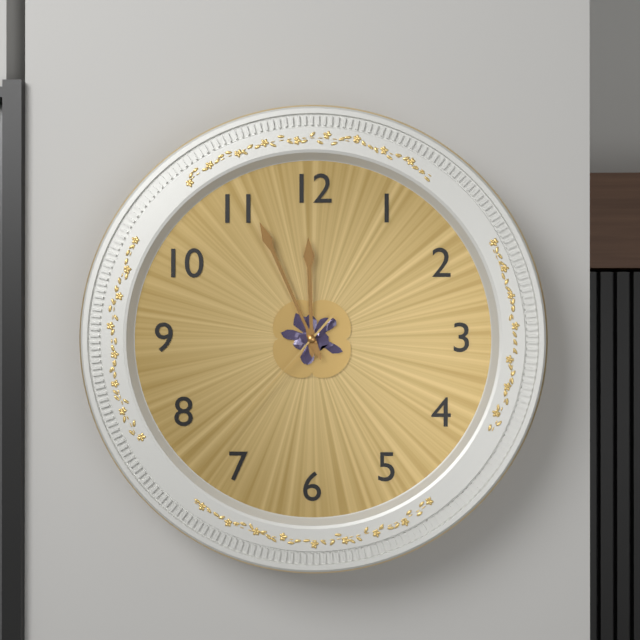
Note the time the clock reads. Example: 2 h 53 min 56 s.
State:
11 h 56 min 37 s
